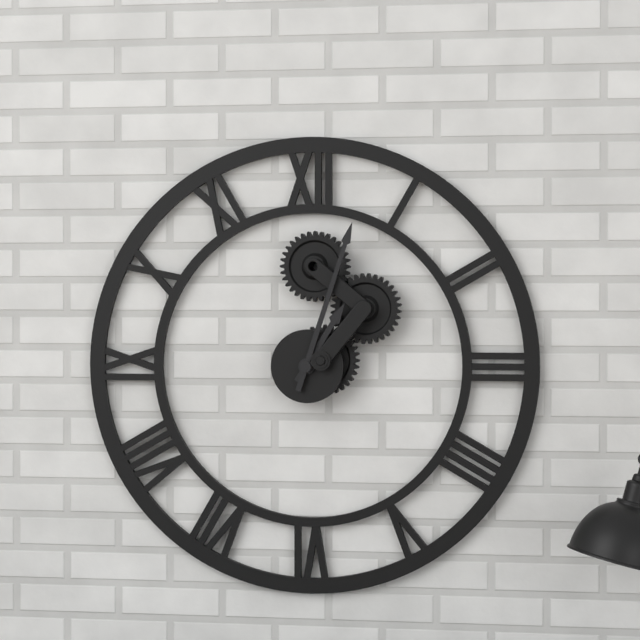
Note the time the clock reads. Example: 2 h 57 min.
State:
1 h 03 min
